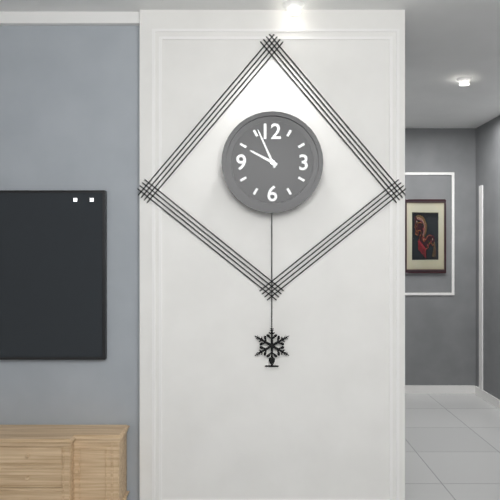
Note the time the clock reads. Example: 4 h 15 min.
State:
9 h 56 min
